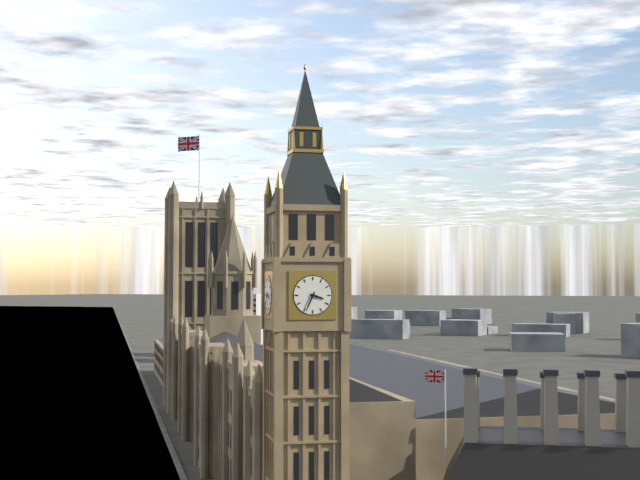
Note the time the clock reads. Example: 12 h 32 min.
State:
3 h 34 min
